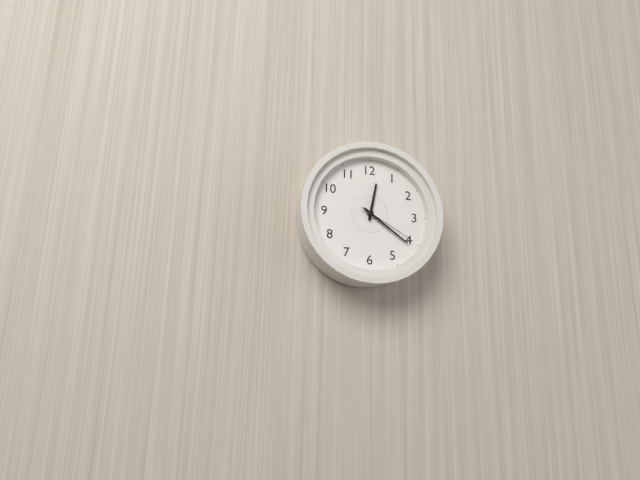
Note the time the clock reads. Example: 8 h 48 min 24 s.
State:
12 h 21 min 20 s
